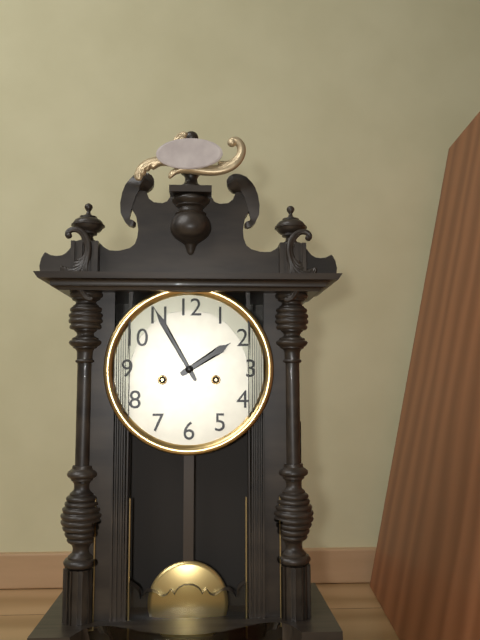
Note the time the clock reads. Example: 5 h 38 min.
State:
1 h 55 min
